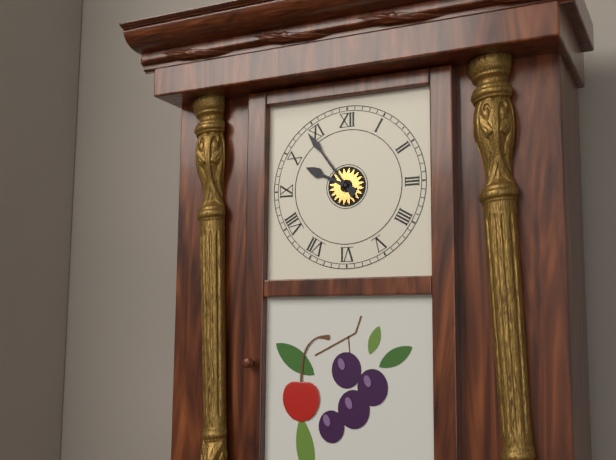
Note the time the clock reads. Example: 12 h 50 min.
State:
9 h 54 min
